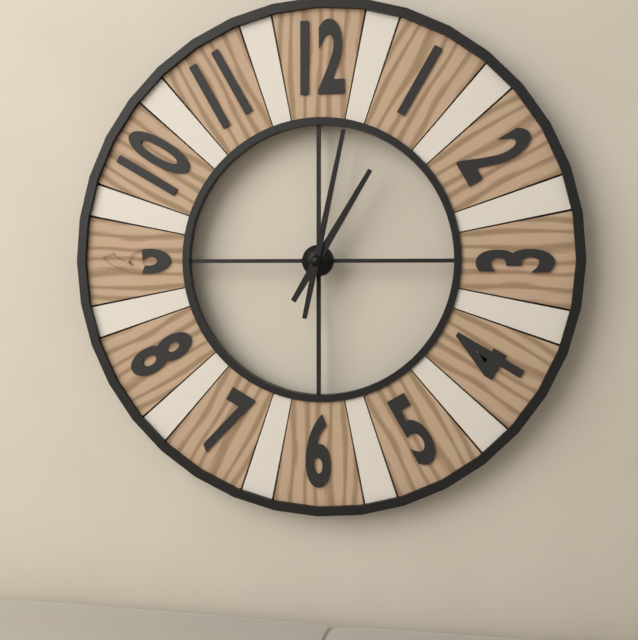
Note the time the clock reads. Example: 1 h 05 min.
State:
1 h 02 min
